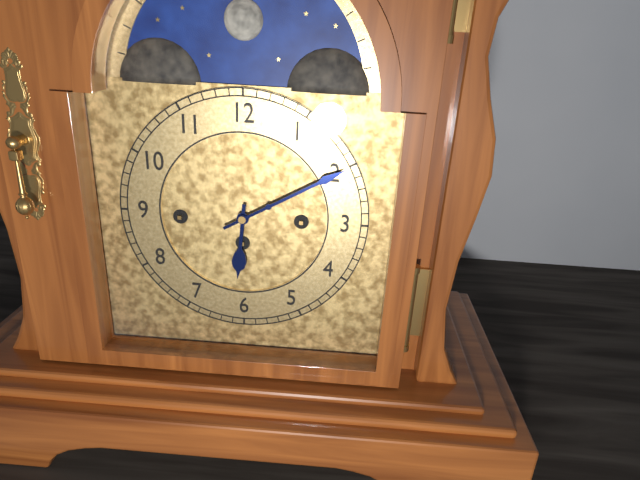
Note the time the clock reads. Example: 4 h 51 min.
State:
6 h 10 min
